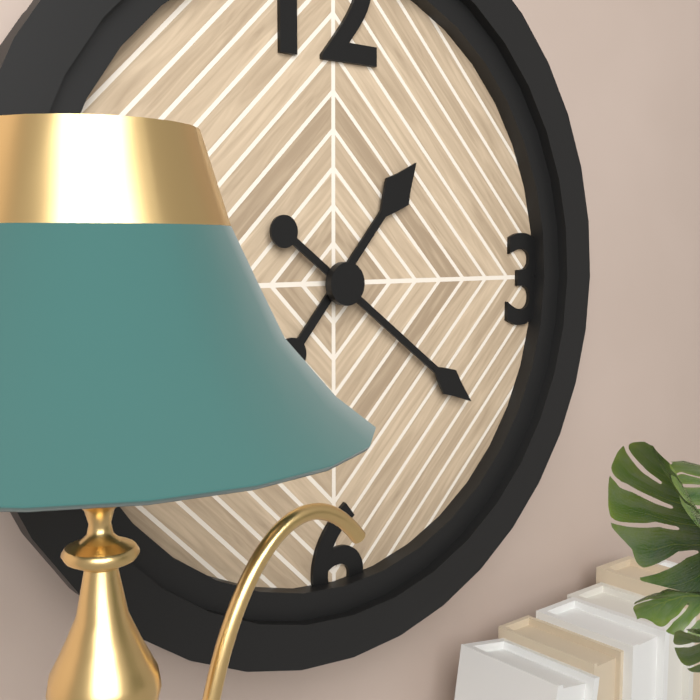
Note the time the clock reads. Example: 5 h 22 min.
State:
1 h 21 min
